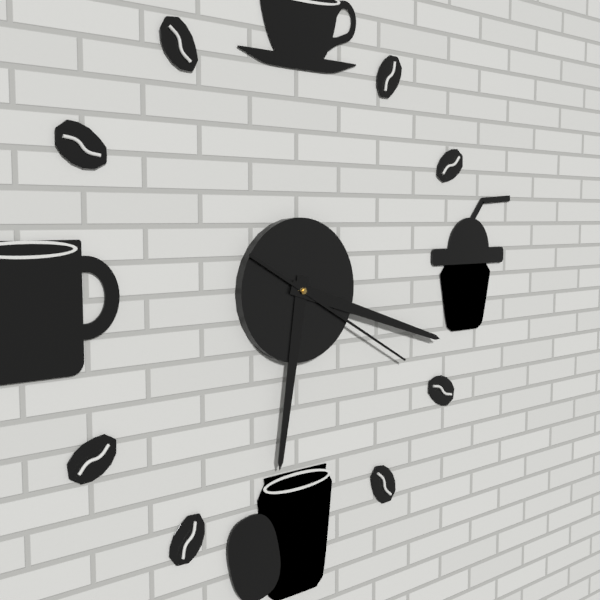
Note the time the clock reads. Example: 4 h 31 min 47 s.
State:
6 h 18 min 20 s
